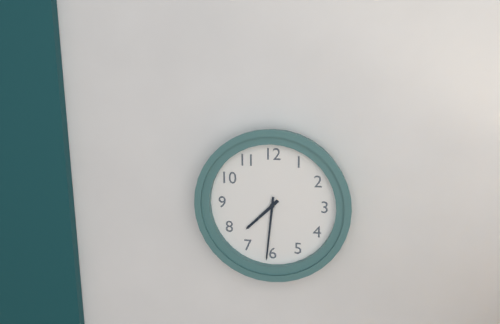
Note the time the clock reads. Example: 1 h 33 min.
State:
7 h 31 min
